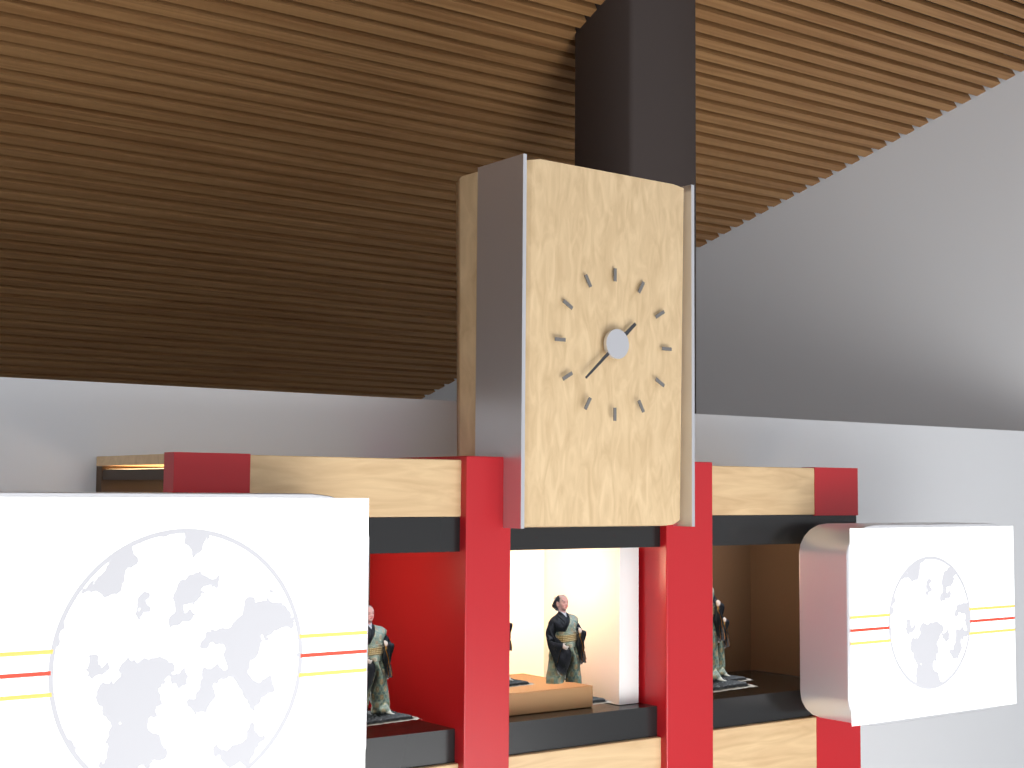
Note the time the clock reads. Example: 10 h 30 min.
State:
1 h 38 min
